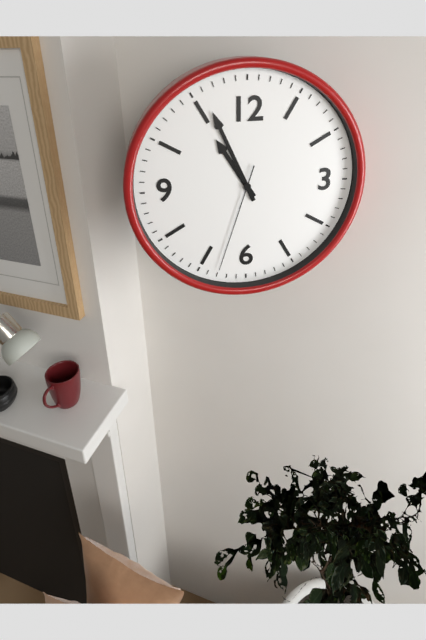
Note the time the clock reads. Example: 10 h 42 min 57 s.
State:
10 h 56 min 33 s
